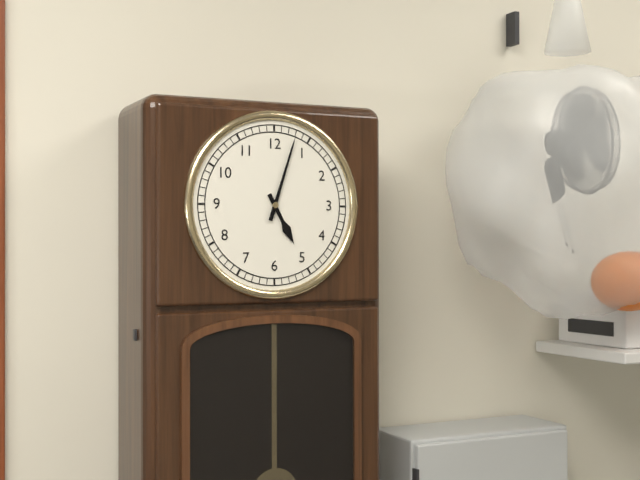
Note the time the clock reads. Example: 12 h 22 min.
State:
5 h 03 min
